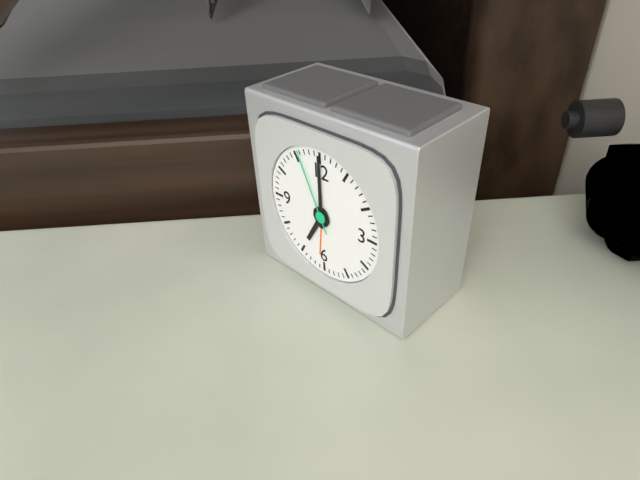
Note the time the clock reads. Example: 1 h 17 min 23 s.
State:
7 h 00 min 56 s
